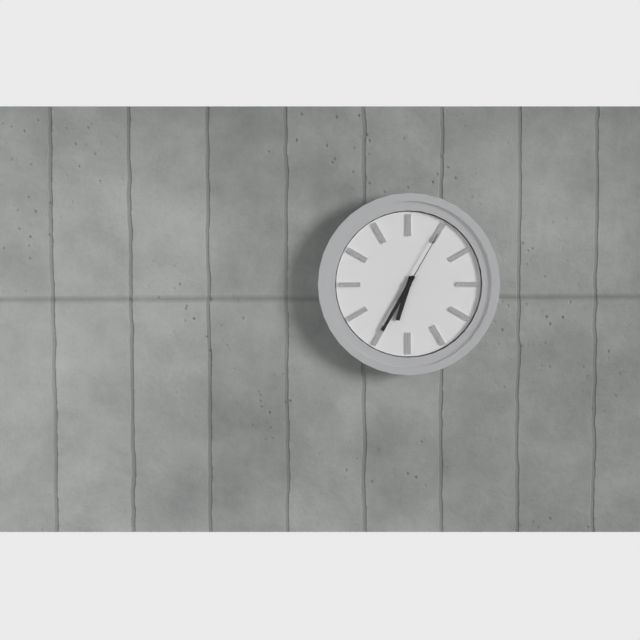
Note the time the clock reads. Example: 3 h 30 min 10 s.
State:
6 h 35 min 05 s
